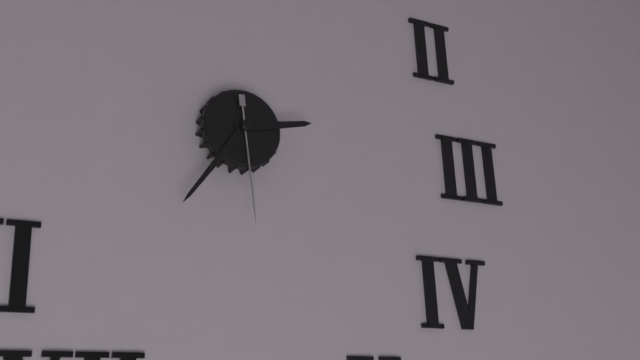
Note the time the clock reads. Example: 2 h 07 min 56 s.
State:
2 h 36 min 29 s
